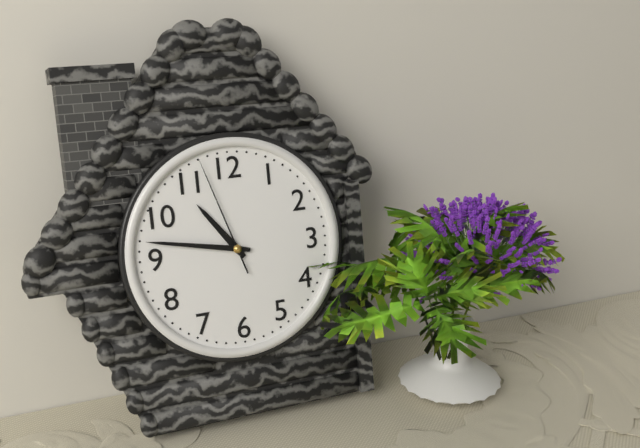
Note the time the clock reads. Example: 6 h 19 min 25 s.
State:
10 h 47 min 57 s
